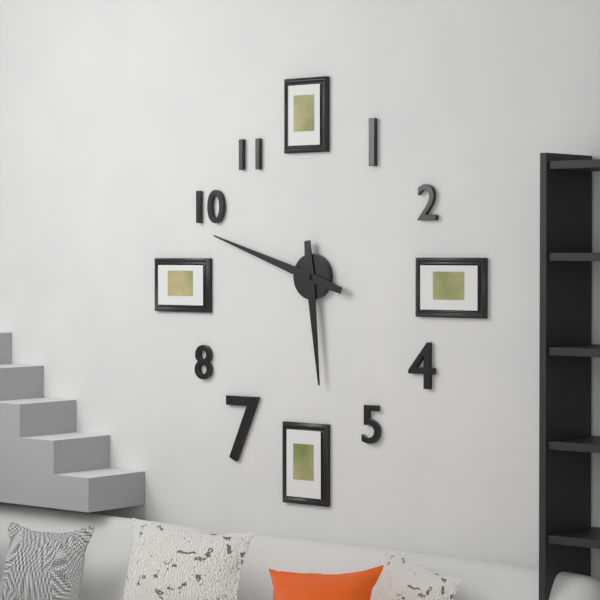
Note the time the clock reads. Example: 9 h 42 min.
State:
5 h 48 min
